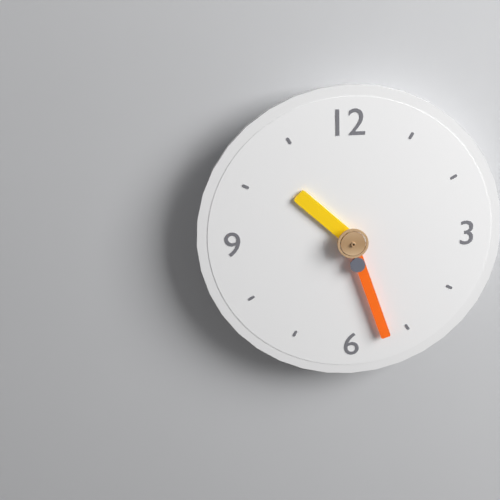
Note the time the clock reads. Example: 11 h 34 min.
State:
10 h 27 min
